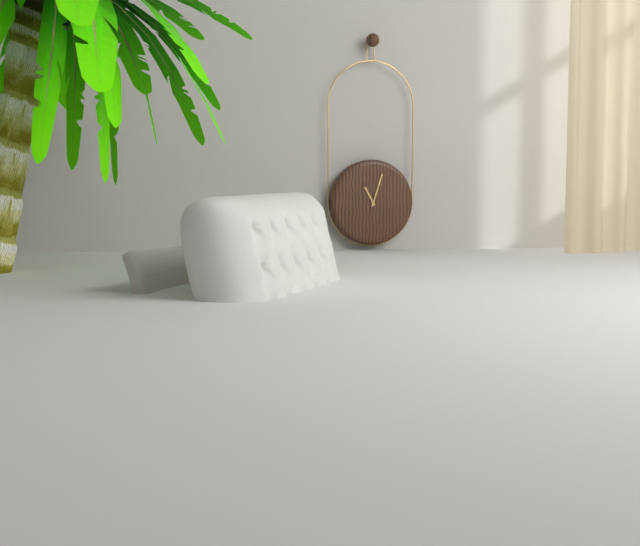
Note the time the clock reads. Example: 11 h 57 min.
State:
11 h 03 min
